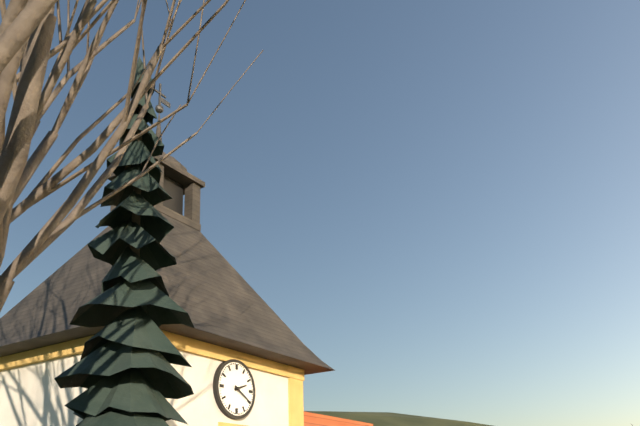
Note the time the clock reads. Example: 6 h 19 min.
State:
2 h 20 min
